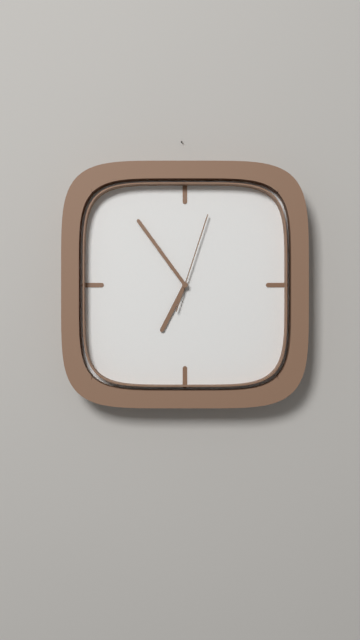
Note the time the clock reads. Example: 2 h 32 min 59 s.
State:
6 h 54 min 03 s
